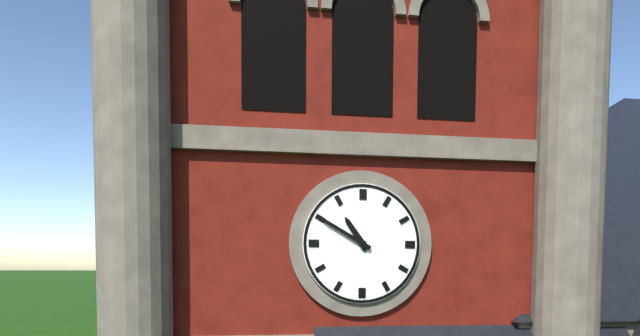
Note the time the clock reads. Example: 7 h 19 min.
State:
10 h 50 min
